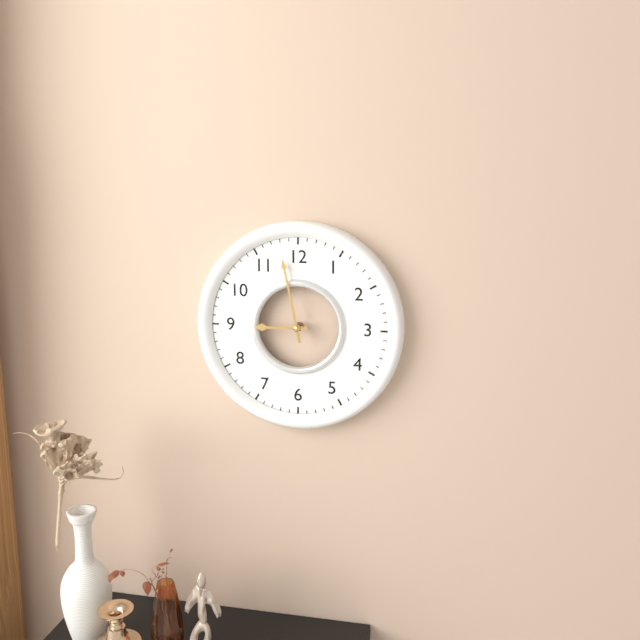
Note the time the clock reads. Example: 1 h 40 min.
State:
8 h 58 min
